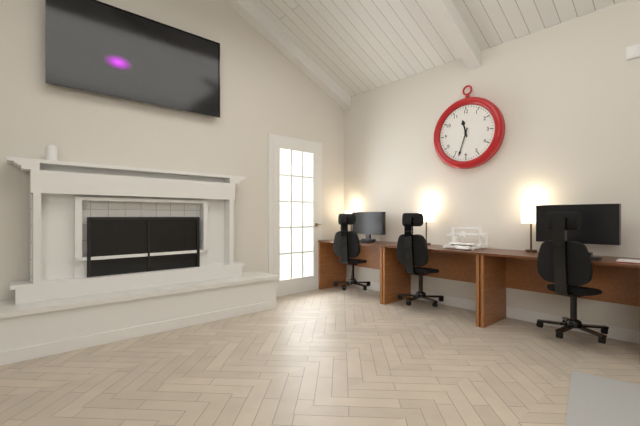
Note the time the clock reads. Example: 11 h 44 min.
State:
11 h 33 min
